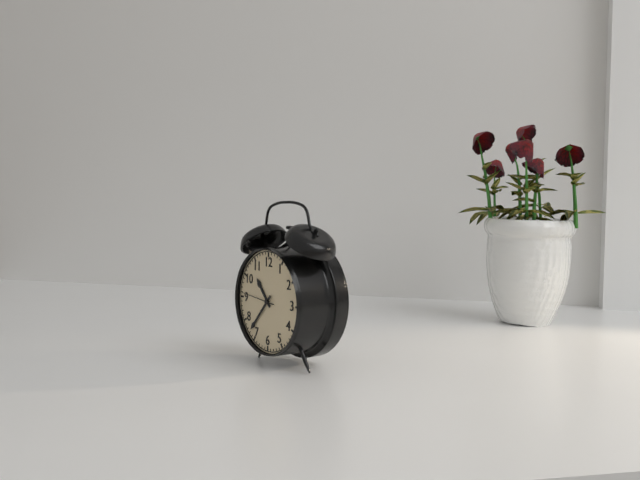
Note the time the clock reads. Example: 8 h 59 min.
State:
10 h 37 min
